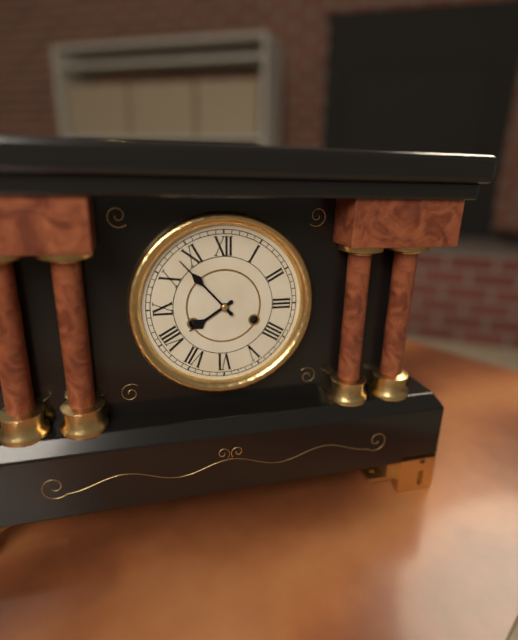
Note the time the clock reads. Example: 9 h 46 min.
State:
7 h 53 min
